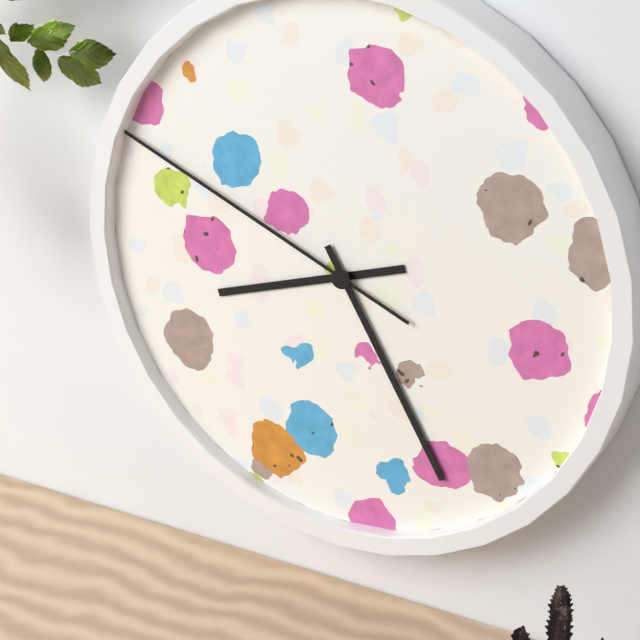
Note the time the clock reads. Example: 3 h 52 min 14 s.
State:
8 h 25 min 49 s
